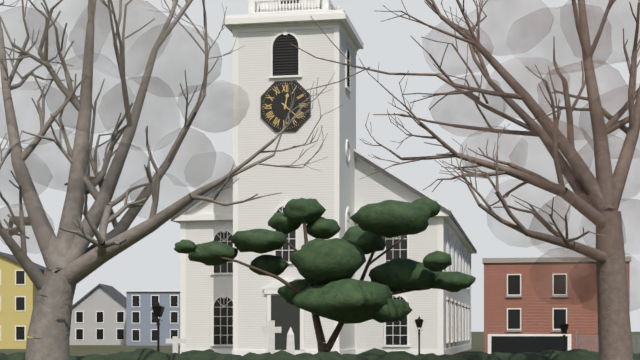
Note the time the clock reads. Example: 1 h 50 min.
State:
12 h 22 min
